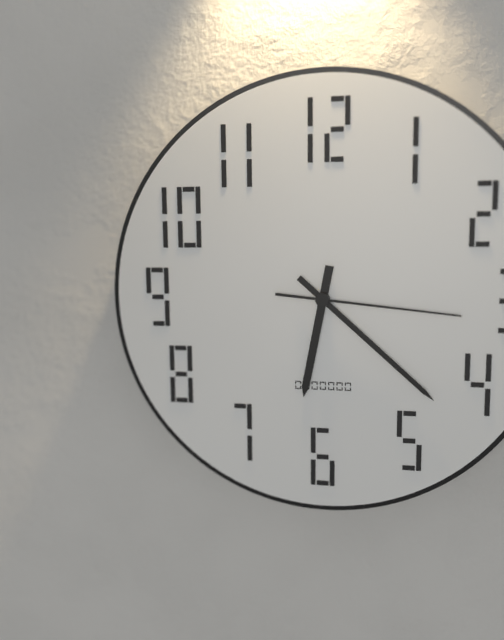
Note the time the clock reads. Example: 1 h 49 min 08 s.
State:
6 h 22 min 16 s
